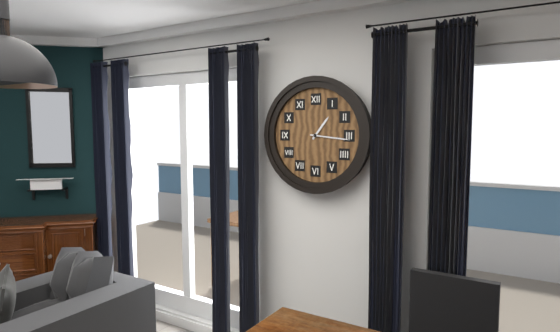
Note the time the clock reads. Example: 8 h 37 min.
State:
1 h 16 min
